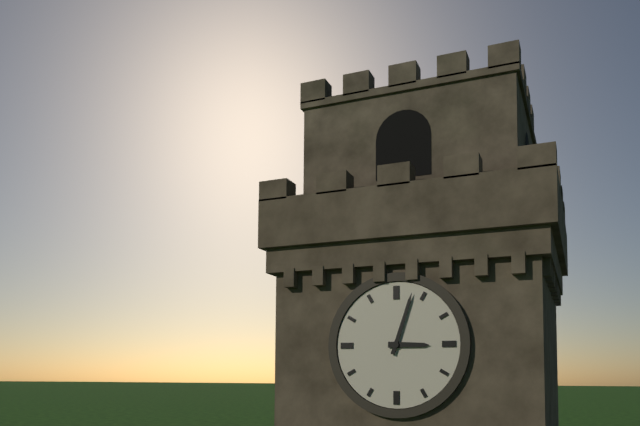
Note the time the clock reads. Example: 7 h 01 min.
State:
3 h 03 min
